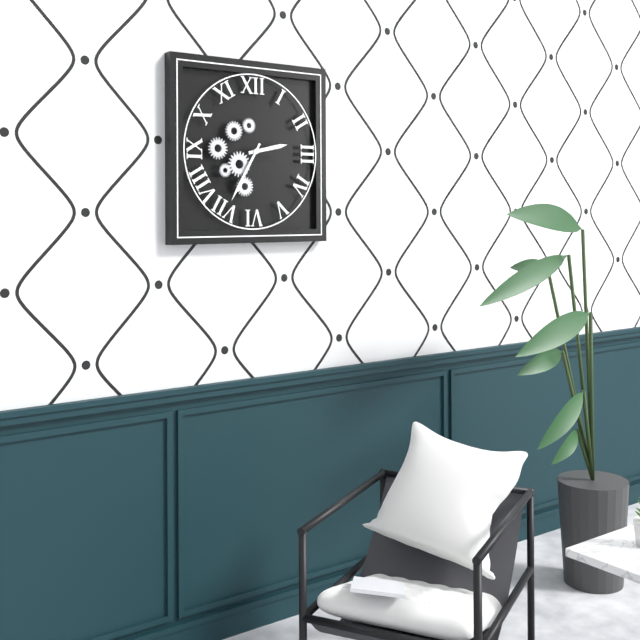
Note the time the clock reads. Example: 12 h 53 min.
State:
2 h 35 min
